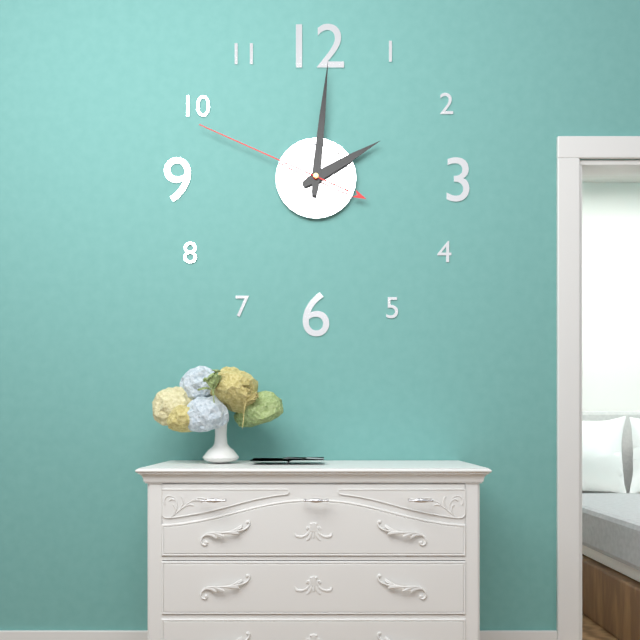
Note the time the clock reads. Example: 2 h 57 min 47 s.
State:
2 h 01 min 49 s
